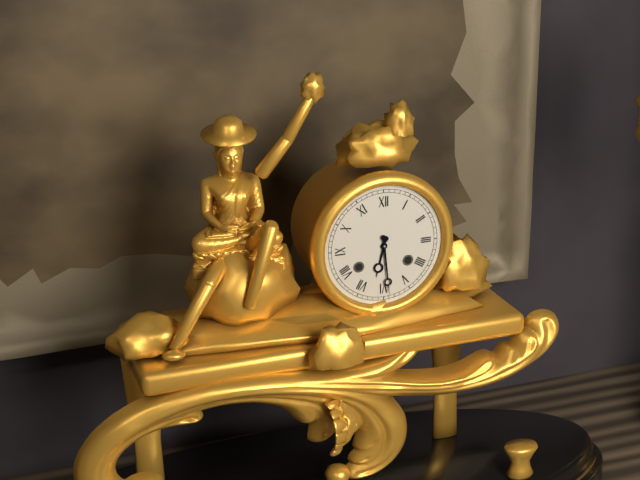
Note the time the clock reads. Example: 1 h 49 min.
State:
6 h 29 min
